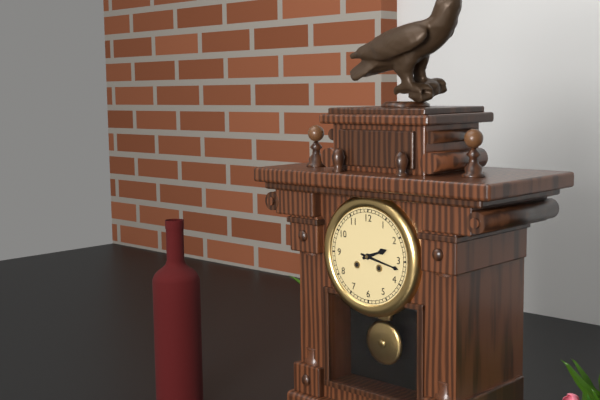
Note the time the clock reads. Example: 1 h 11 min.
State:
2 h 17 min
